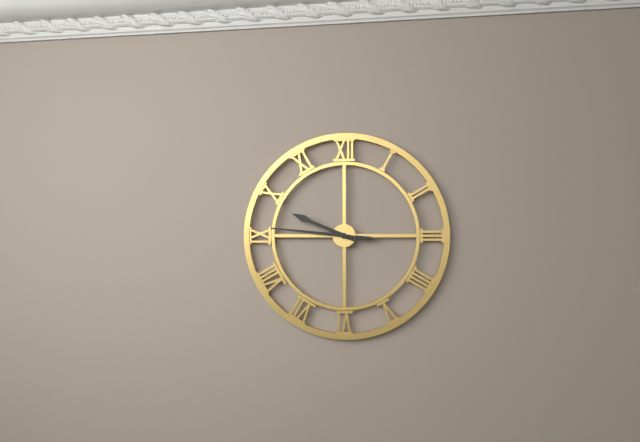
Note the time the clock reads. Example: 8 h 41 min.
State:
9 h 46 min
